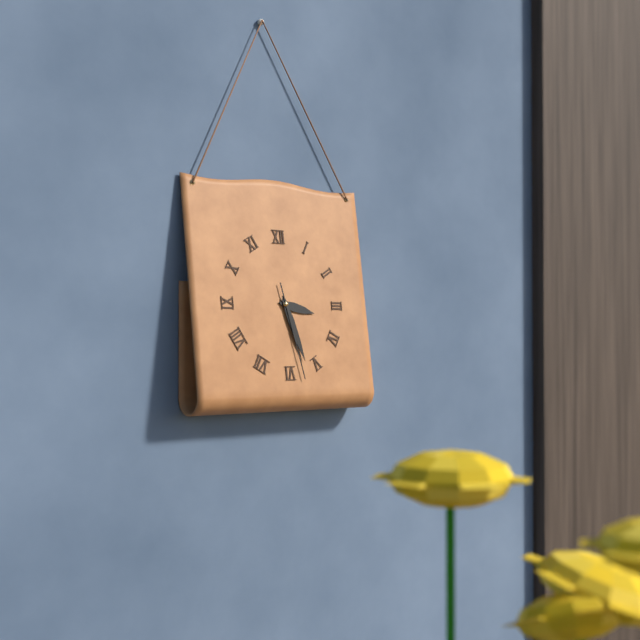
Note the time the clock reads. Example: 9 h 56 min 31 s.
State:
3 h 27 min 28 s
